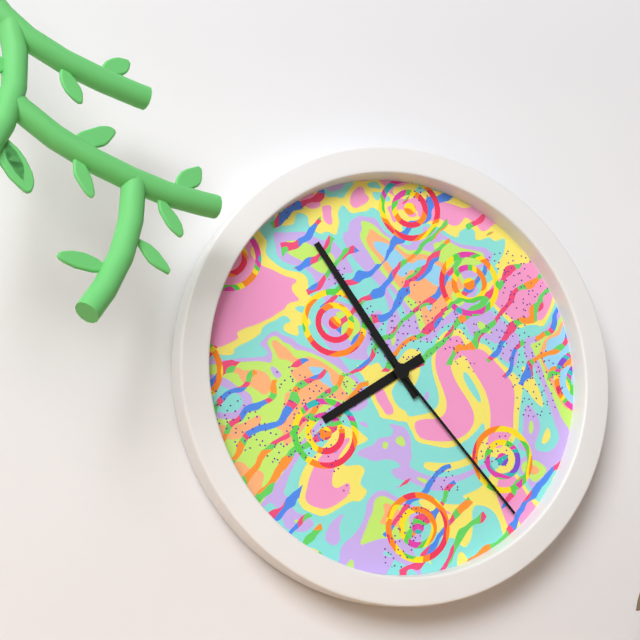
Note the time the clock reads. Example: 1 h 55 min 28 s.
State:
7 h 54 min 23 s
